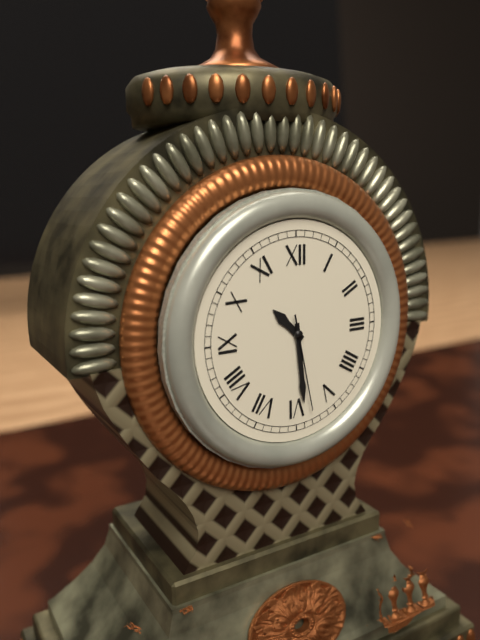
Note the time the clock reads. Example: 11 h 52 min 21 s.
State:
10 h 29 min 28 s
